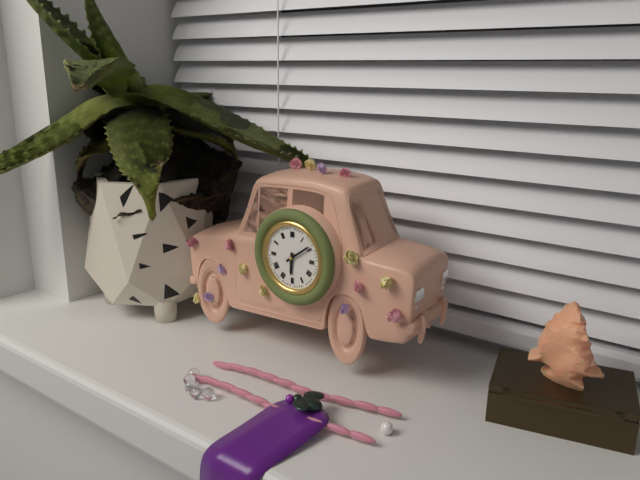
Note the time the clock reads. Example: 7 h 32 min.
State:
6 h 09 min
